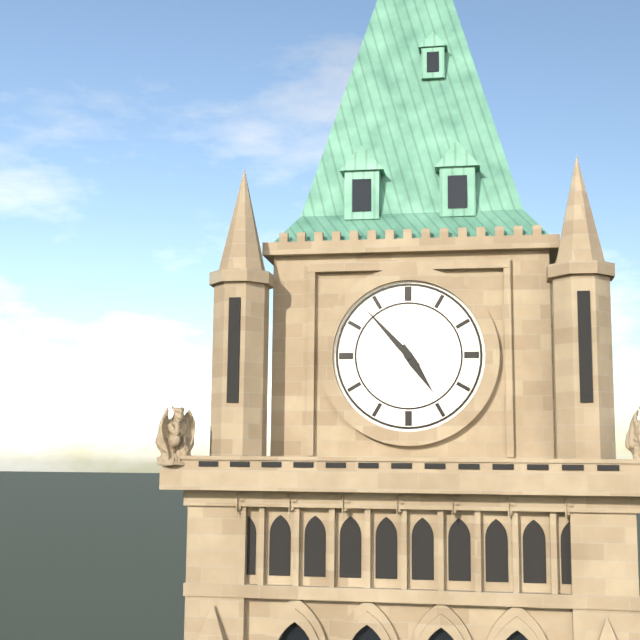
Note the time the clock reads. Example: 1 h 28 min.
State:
4 h 53 min
